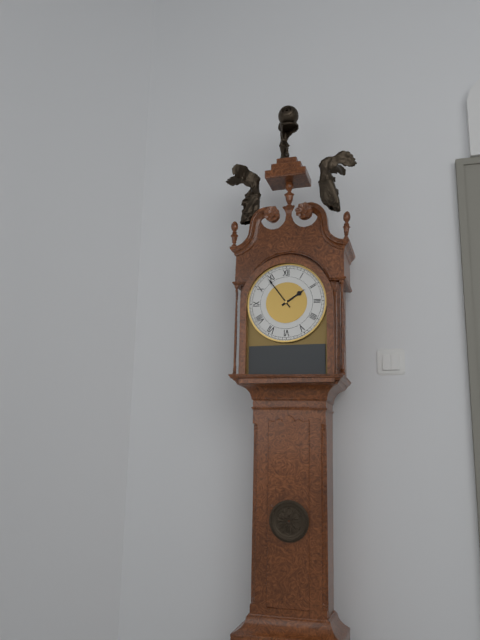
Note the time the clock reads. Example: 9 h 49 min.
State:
1 h 54 min
